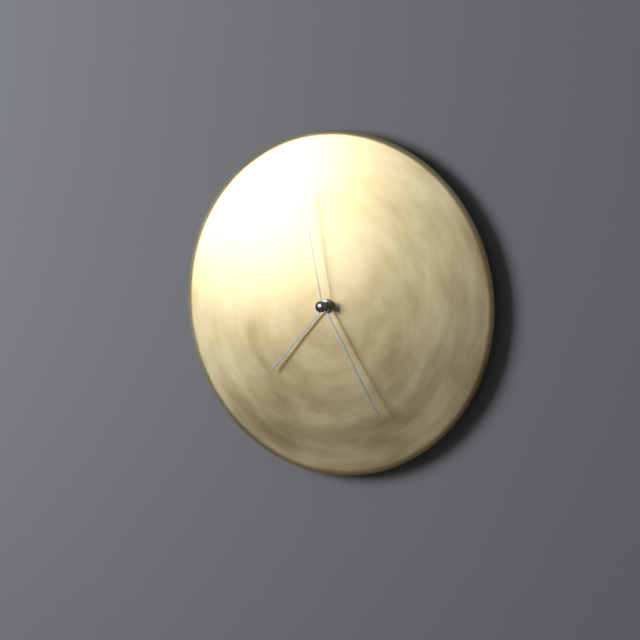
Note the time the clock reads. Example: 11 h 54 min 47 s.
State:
7 h 25 min 58 s
